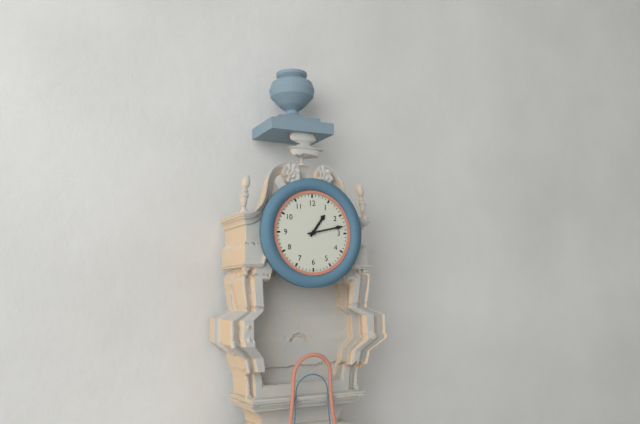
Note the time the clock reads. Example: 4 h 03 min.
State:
1 h 13 min
